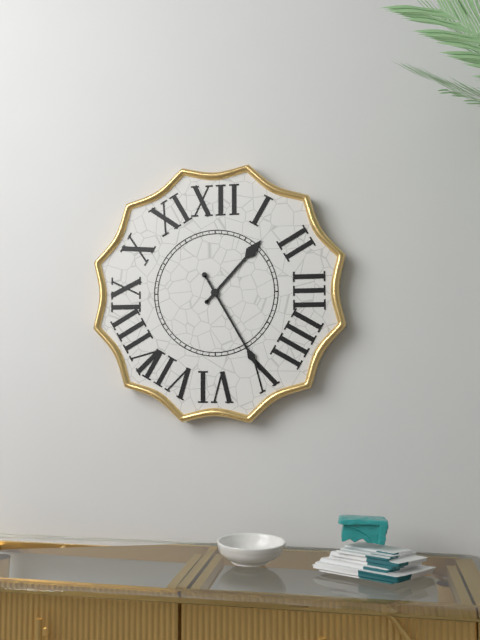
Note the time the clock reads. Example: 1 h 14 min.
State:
1 h 25 min
